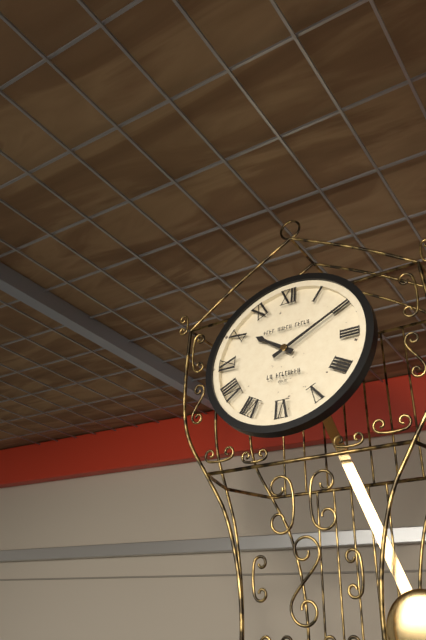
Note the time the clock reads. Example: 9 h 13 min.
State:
10 h 10 min
